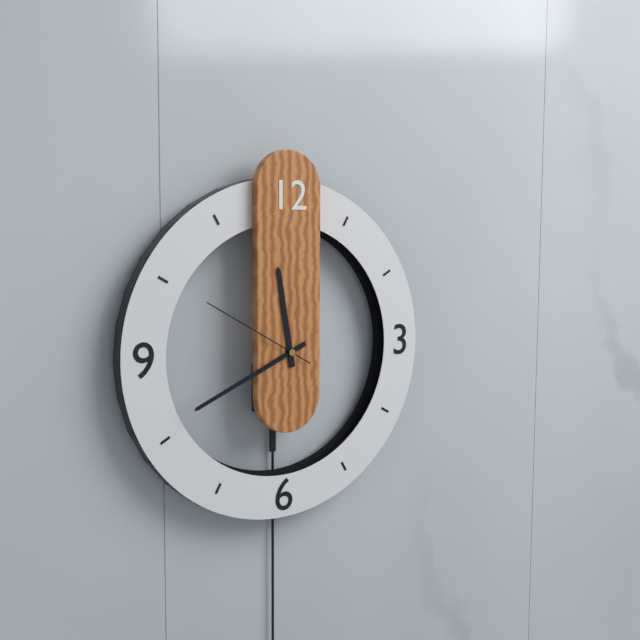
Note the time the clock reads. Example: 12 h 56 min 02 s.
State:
11 h 41 min 50 s
